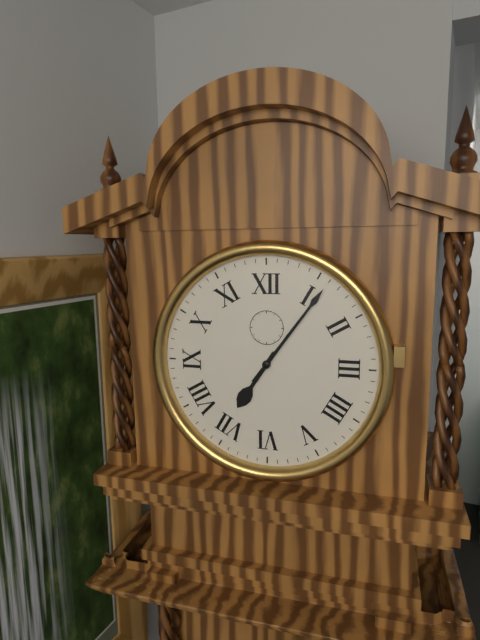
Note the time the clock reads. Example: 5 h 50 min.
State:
7 h 06 min
